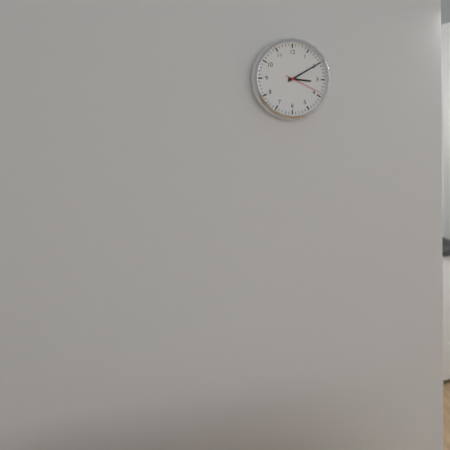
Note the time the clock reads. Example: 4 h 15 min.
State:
3 h 10 min
